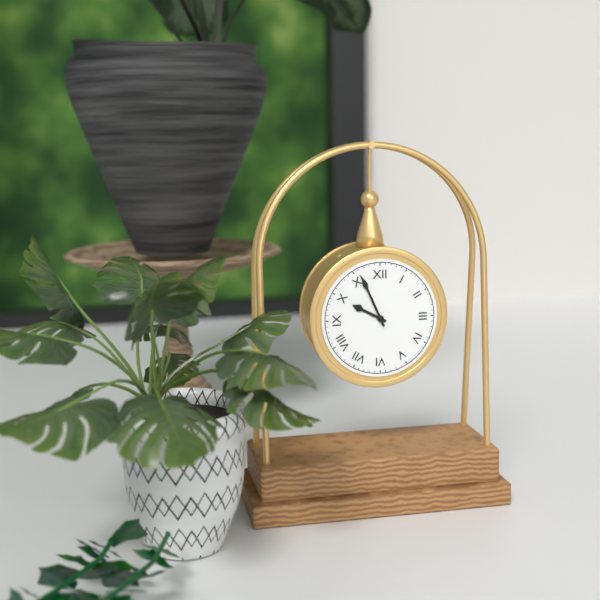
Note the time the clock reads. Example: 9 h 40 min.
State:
9 h 56 min
